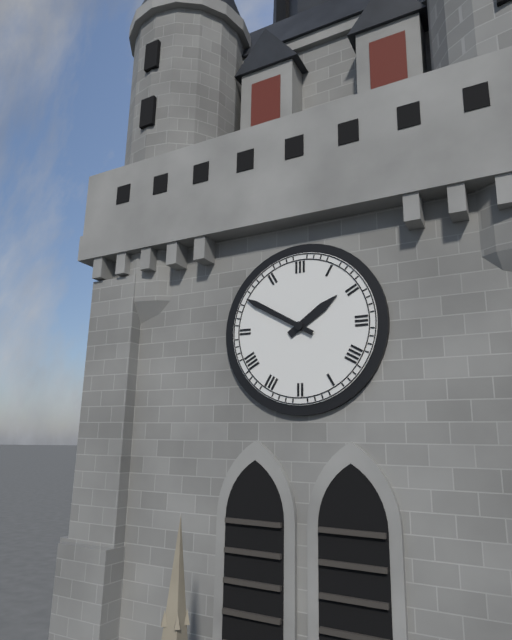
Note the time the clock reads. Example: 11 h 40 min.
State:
1 h 50 min
